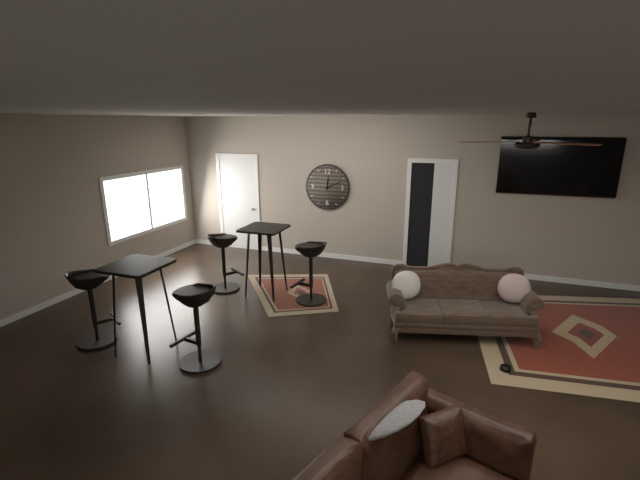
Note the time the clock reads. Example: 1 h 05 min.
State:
12 h 11 min
